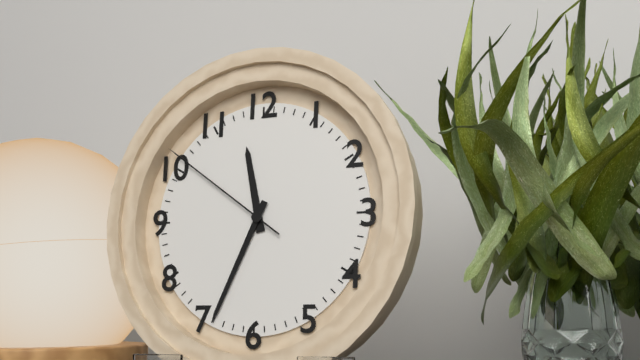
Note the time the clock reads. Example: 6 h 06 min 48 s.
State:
11 h 34 min 51 s
